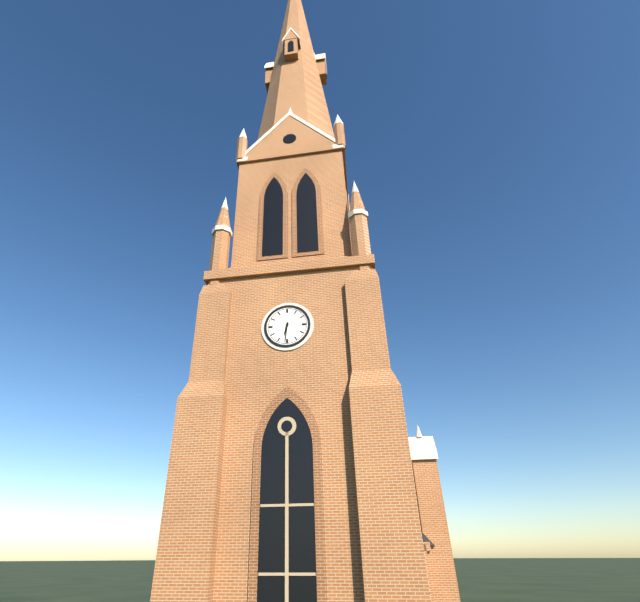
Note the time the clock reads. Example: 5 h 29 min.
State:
6 h 31 min
